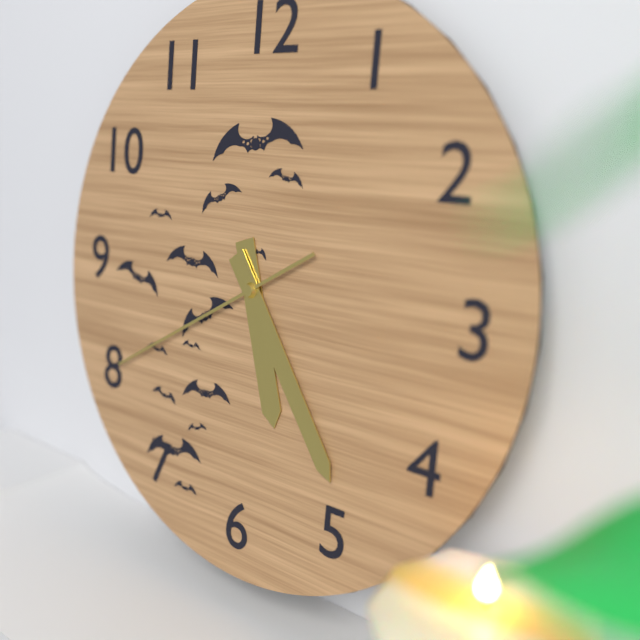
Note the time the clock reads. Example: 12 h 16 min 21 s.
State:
5 h 24 min 40 s
